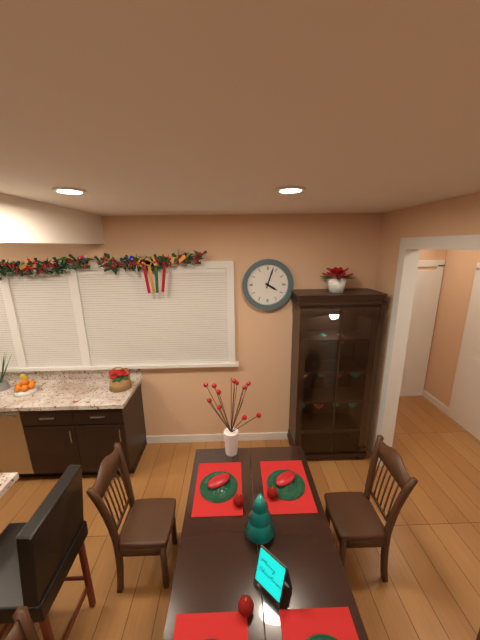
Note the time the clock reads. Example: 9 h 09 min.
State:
4 h 03 min
